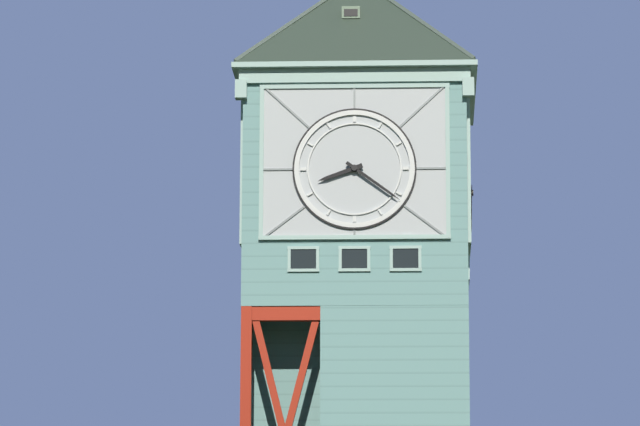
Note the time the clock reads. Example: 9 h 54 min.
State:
8 h 21 min
